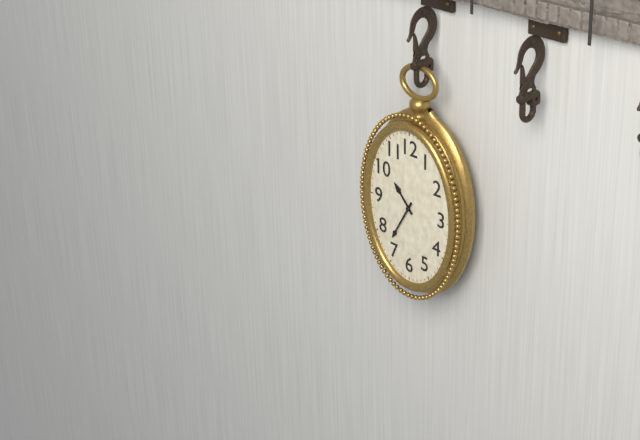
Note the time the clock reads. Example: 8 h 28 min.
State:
10 h 35 min
